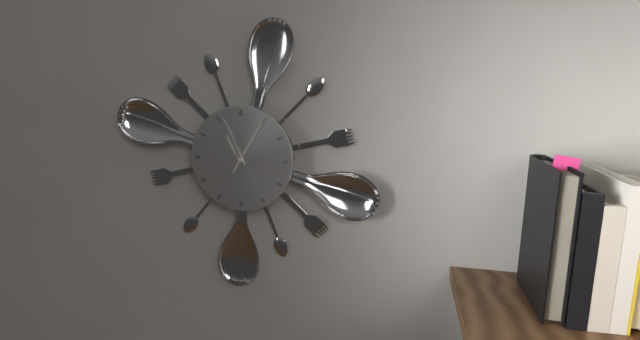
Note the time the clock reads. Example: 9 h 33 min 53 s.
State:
10 h 56 min 05 s
